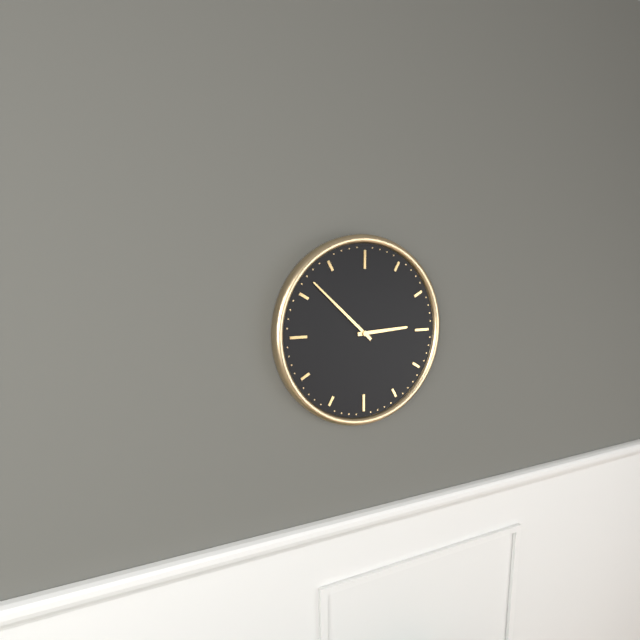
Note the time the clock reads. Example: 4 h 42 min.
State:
2 h 52 min
